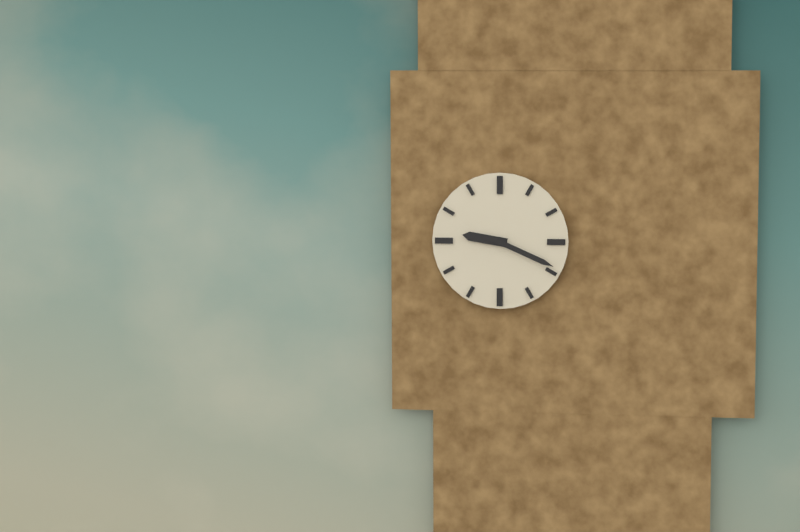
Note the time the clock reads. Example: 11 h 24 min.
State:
9 h 19 min
